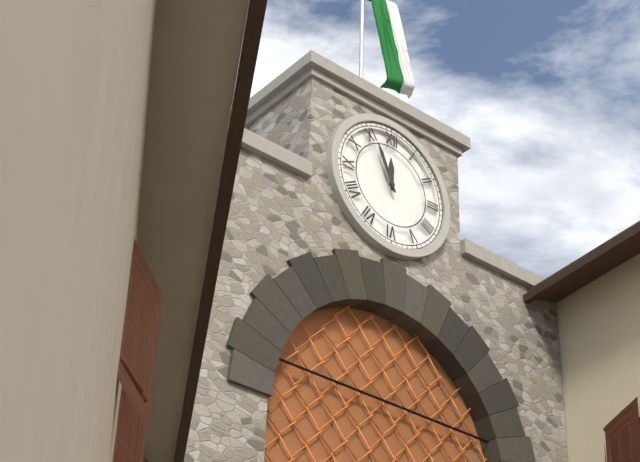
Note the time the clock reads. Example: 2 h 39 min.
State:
11 h 56 min
